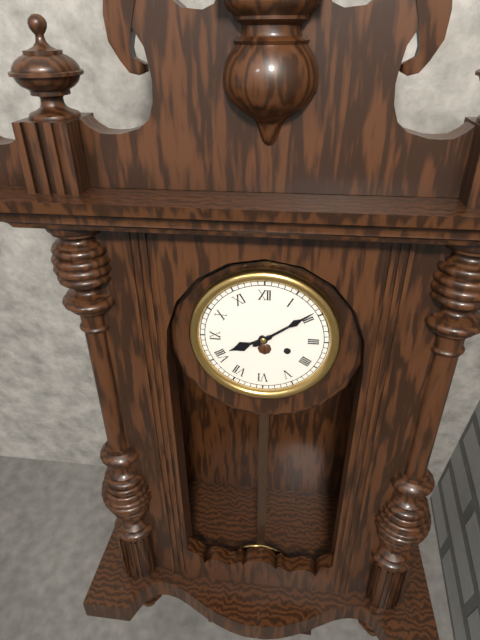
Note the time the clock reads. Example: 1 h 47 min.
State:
8 h 09 min
